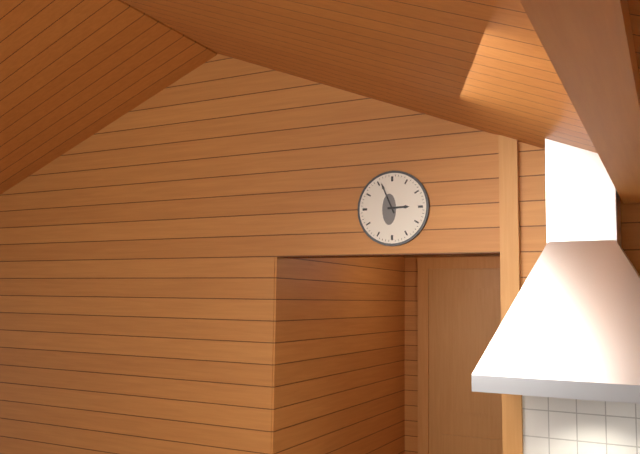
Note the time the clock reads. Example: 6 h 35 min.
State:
2 h 56 min
